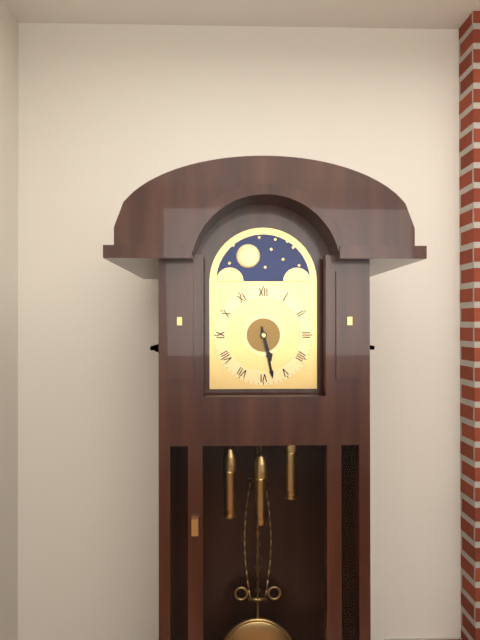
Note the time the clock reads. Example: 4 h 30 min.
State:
5 h 28 min
